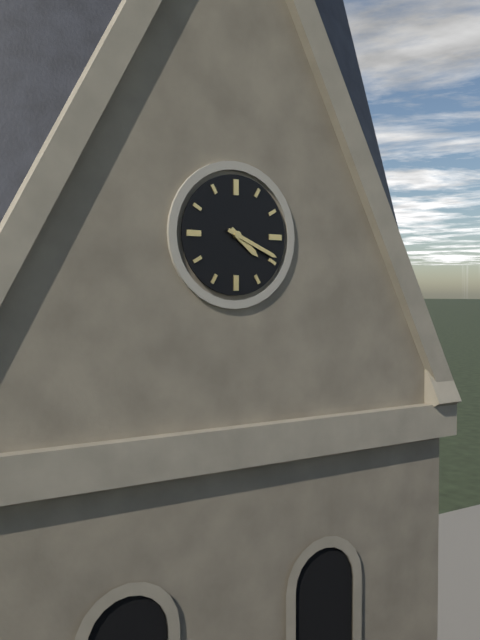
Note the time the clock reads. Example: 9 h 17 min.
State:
4 h 19 min
